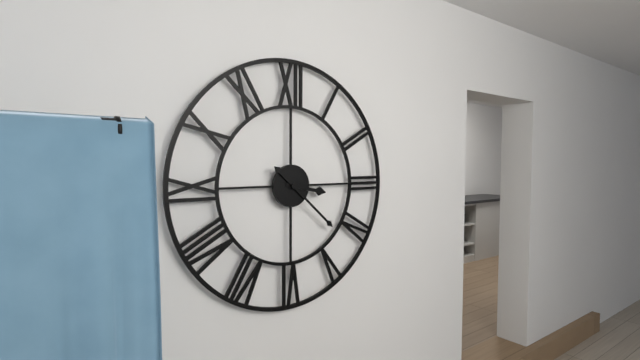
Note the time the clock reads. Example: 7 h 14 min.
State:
3 h 22 min
